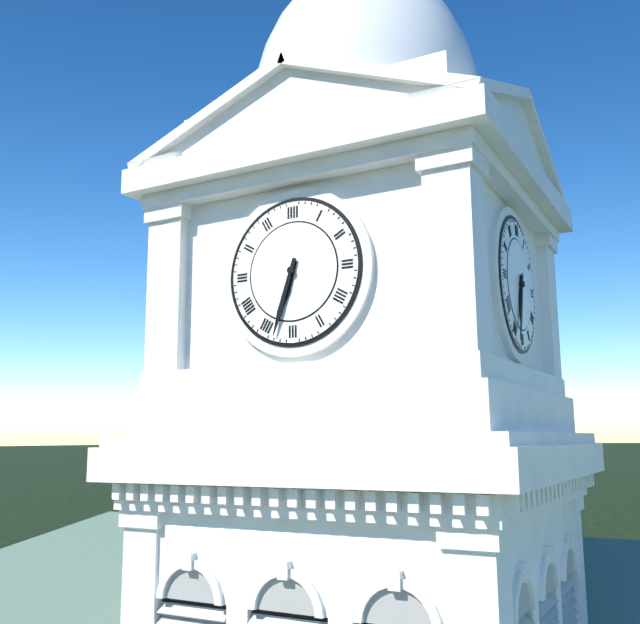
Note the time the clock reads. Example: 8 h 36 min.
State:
6 h 33 min
